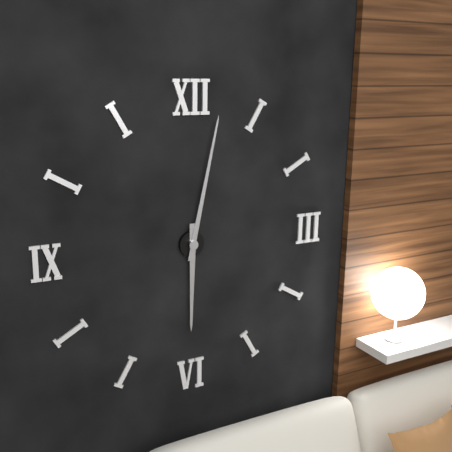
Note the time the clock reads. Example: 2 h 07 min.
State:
6 h 02 min
